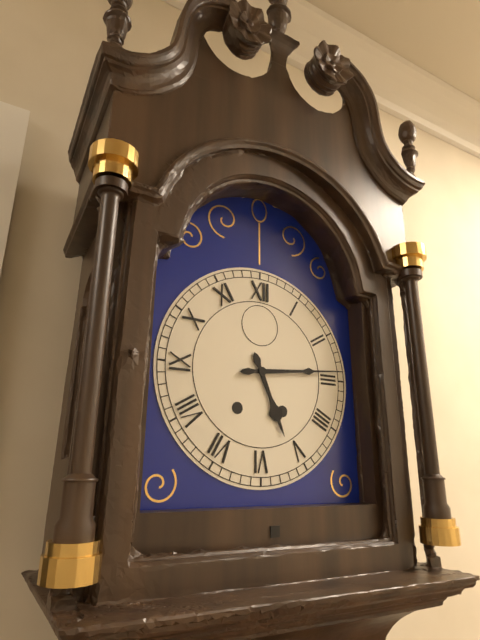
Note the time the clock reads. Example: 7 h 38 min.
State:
5 h 14 min
